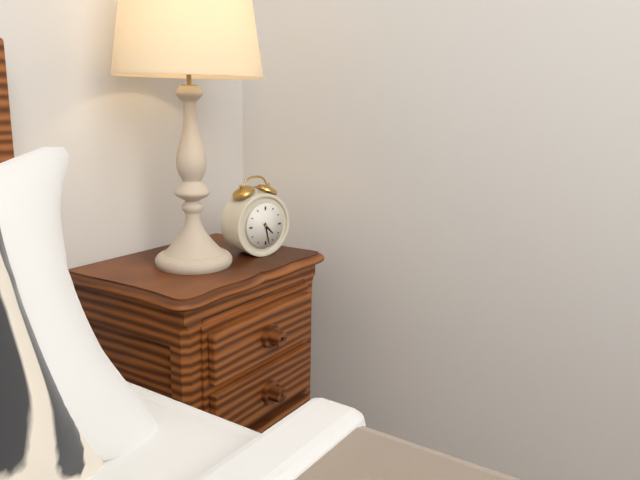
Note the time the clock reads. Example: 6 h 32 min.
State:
4 h 28 min
